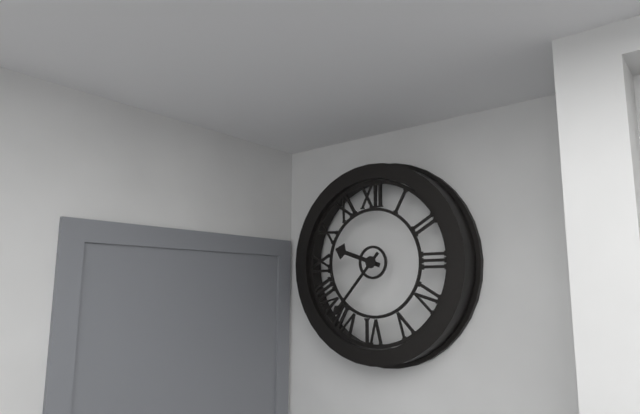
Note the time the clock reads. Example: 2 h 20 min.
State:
9 h 37 min
